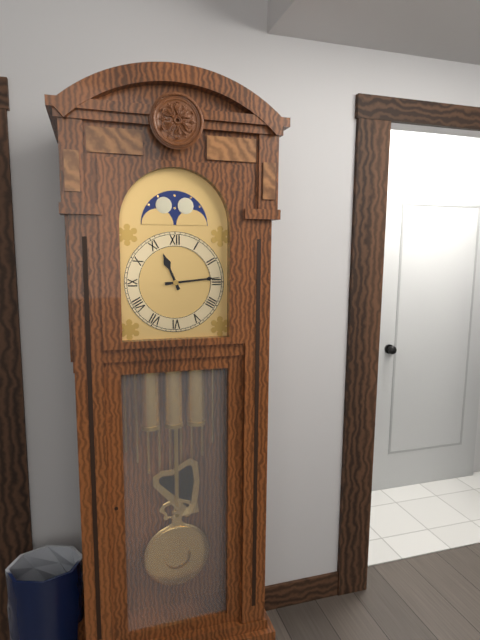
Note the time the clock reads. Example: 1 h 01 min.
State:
11 h 14 min
